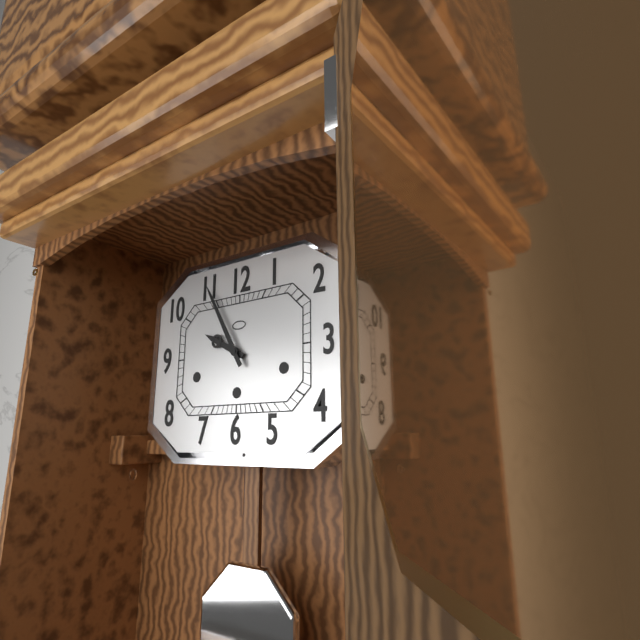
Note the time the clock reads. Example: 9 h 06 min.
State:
9 h 55 min
